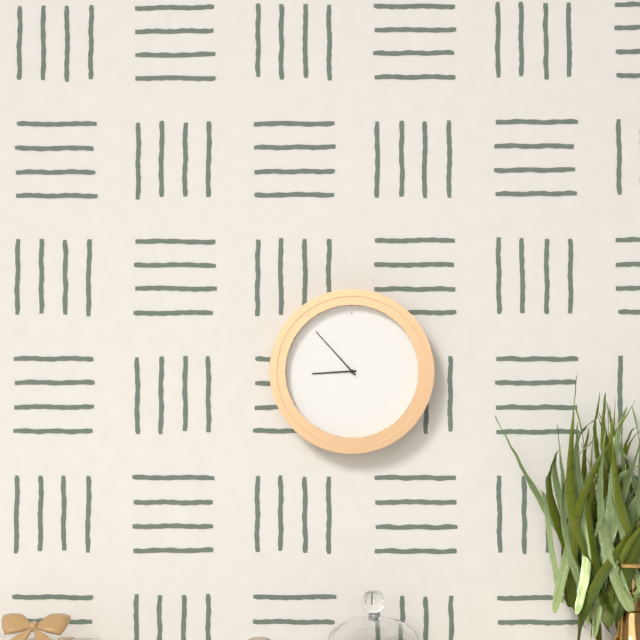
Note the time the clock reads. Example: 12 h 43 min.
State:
8 h 53 min
